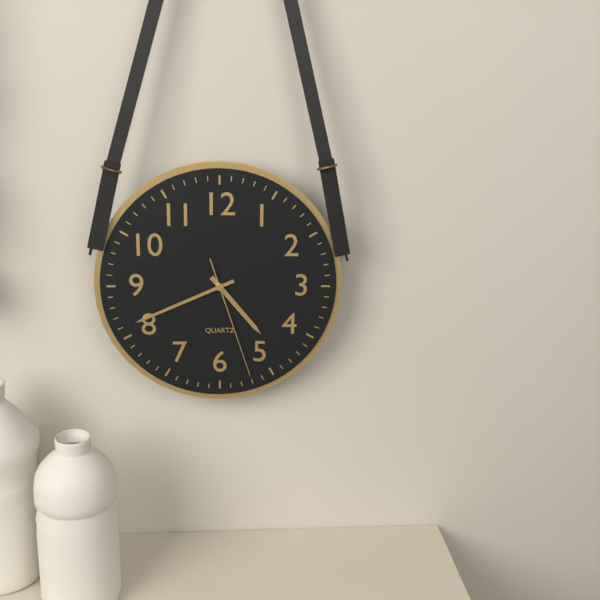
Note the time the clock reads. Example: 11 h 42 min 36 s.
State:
4 h 41 min 27 s
